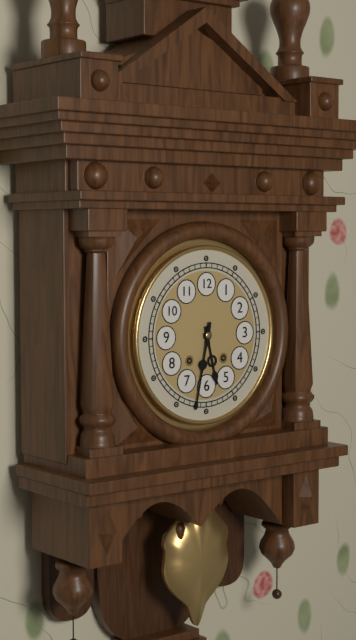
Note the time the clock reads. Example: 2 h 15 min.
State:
5 h 32 min
